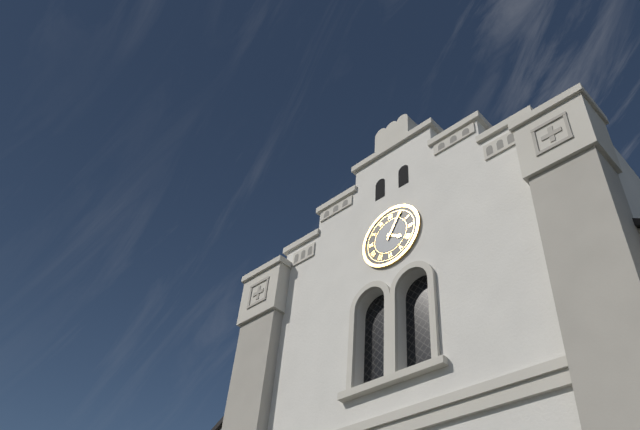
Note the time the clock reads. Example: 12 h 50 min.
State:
4 h 05 min
